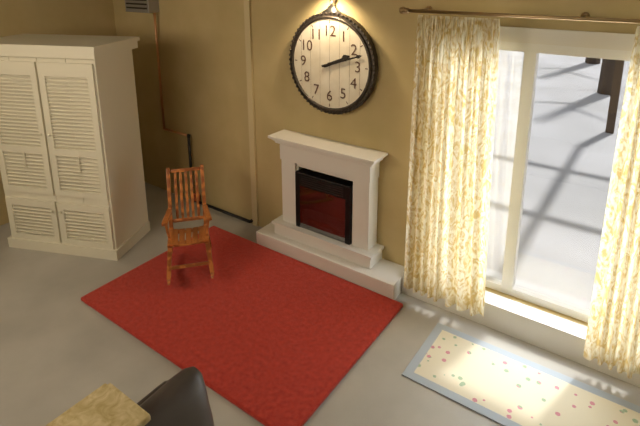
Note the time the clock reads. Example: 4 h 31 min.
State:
2 h 12 min
